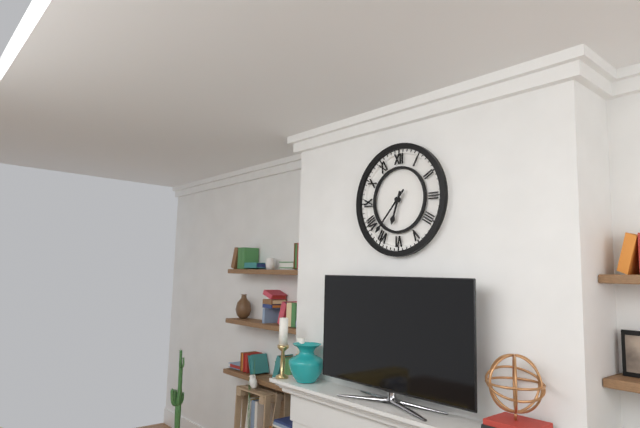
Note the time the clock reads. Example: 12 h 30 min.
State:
6 h 37 min
